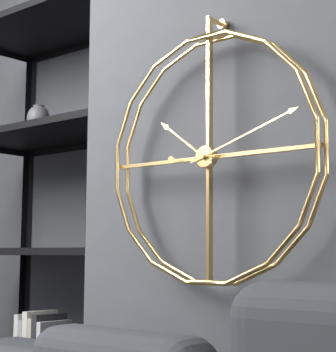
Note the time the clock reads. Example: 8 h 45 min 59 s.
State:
10 h 12 min 15 s
